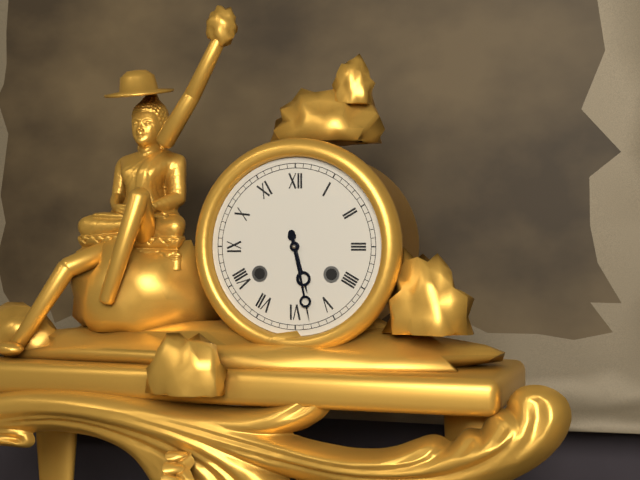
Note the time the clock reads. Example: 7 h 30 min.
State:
5 h 28 min
